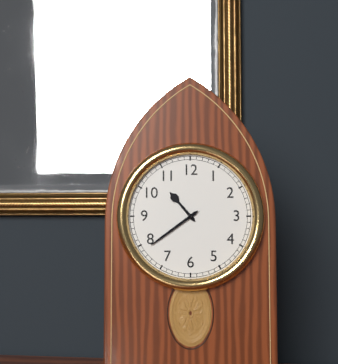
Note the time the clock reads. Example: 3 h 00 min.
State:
10 h 39 min
